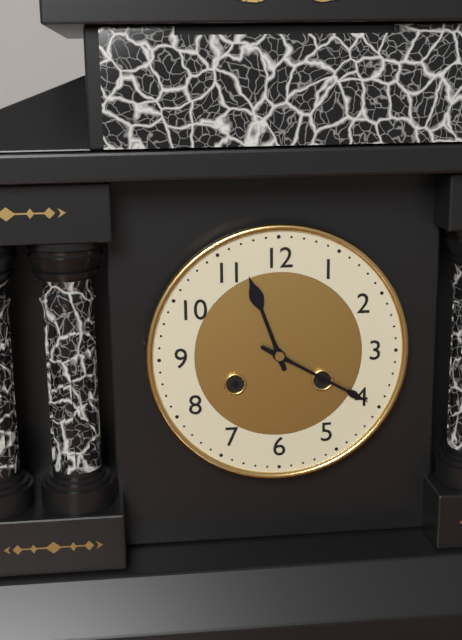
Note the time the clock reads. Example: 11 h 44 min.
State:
11 h 20 min
